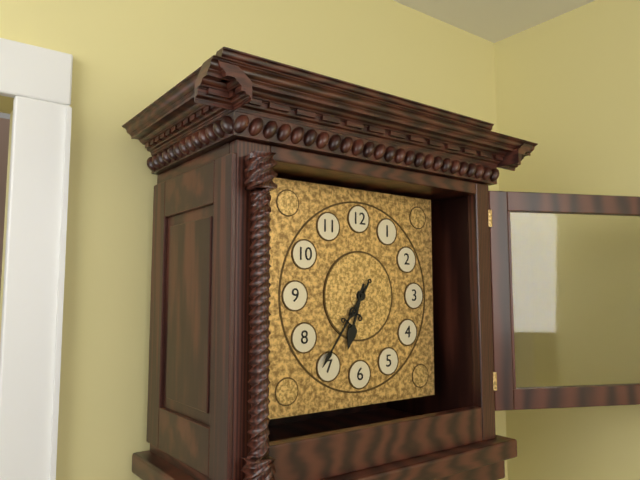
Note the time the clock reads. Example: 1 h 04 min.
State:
6 h 36 min
